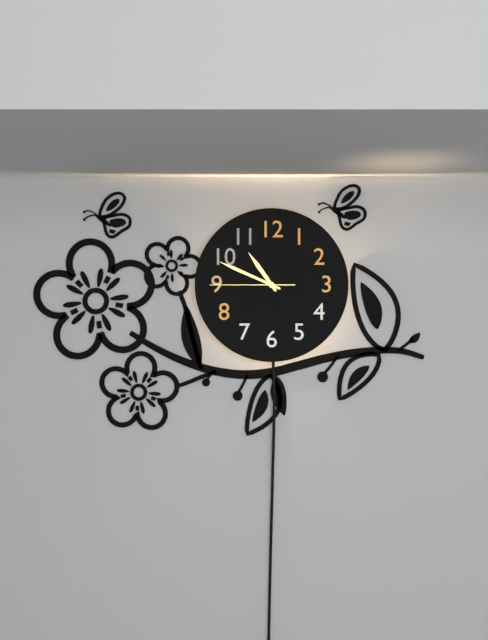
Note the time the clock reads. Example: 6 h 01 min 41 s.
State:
10 h 49 min 45 s
